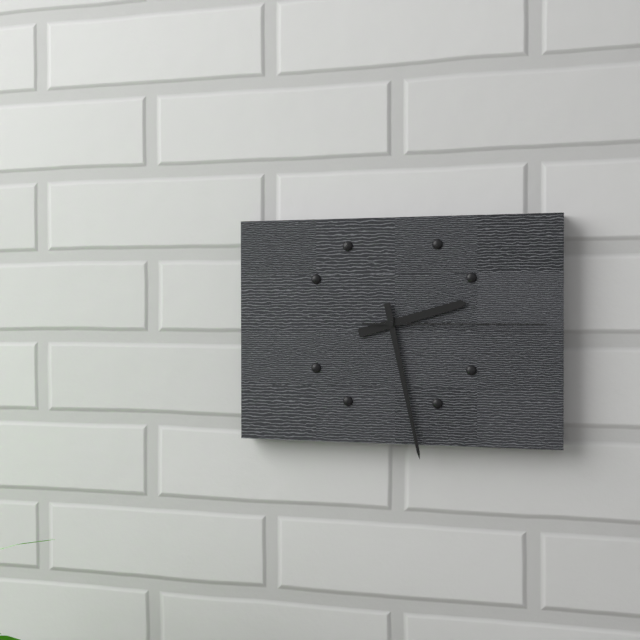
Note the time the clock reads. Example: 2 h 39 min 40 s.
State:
2 h 28 min 15 s
